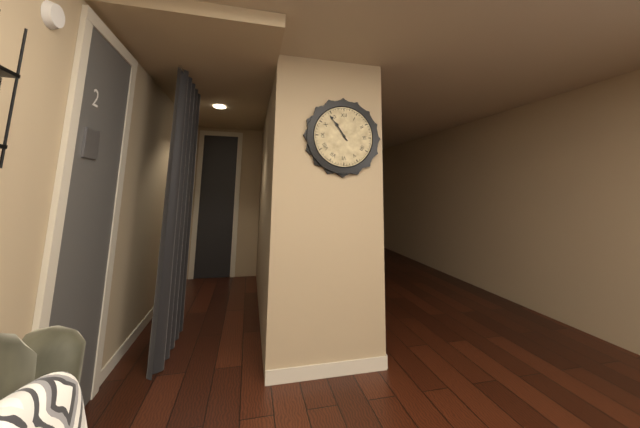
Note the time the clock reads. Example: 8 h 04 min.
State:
10 h 54 min
